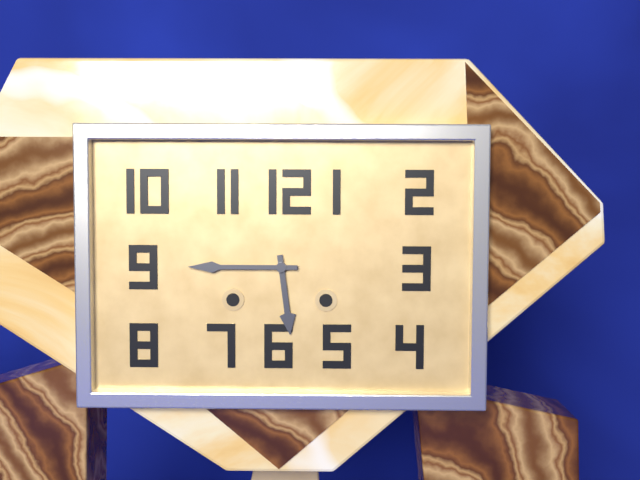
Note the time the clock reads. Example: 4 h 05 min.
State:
5 h 45 min
